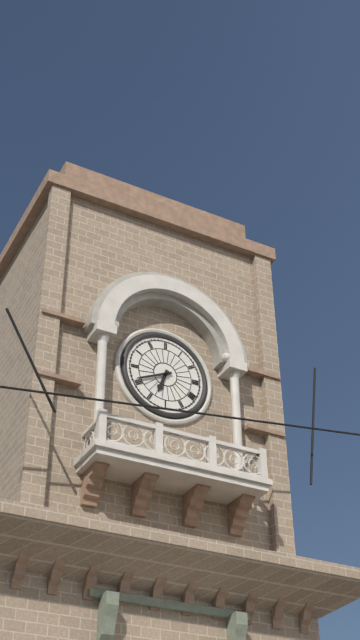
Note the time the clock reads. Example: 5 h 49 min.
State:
6 h 41 min
